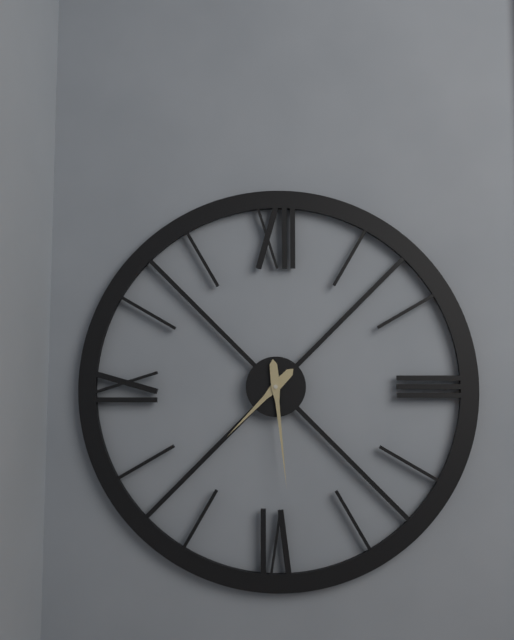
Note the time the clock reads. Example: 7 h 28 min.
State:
7 h 29 min
